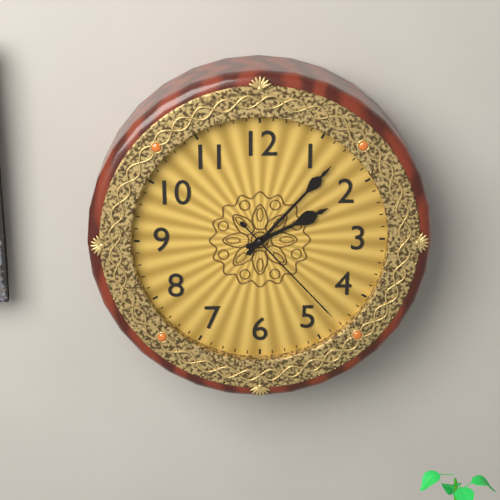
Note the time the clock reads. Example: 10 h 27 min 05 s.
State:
2 h 07 min 23 s
